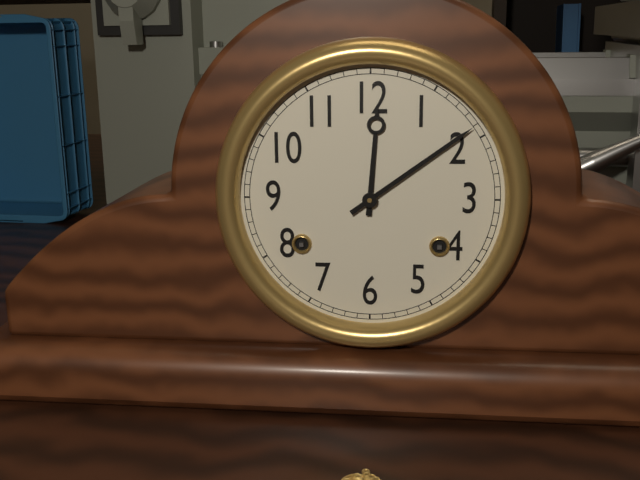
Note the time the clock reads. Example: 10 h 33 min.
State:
12 h 09 min
